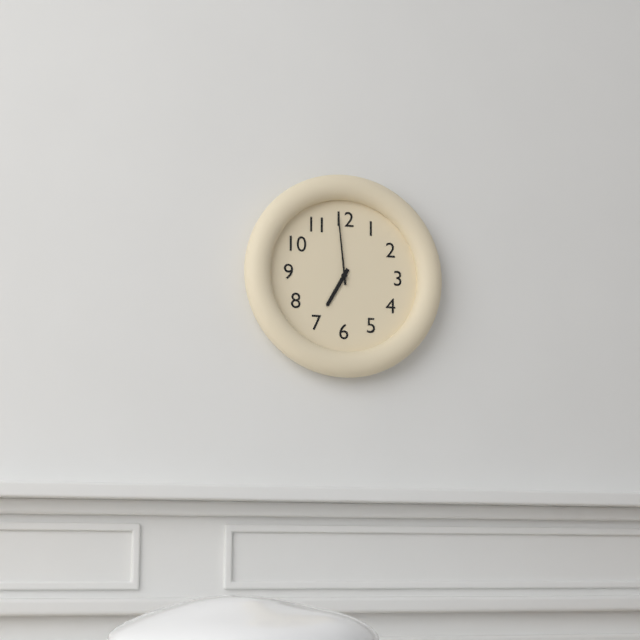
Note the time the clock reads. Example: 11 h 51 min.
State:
6 h 59 min
